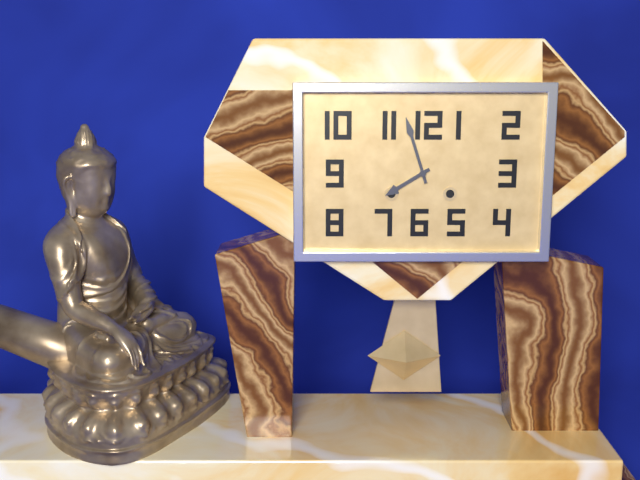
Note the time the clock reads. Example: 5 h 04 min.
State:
7 h 57 min
